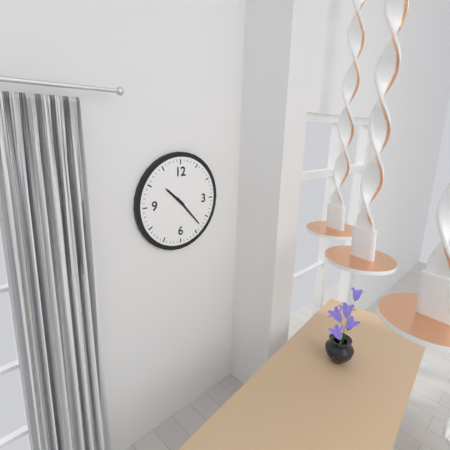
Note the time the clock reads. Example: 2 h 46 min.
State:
10 h 23 min
